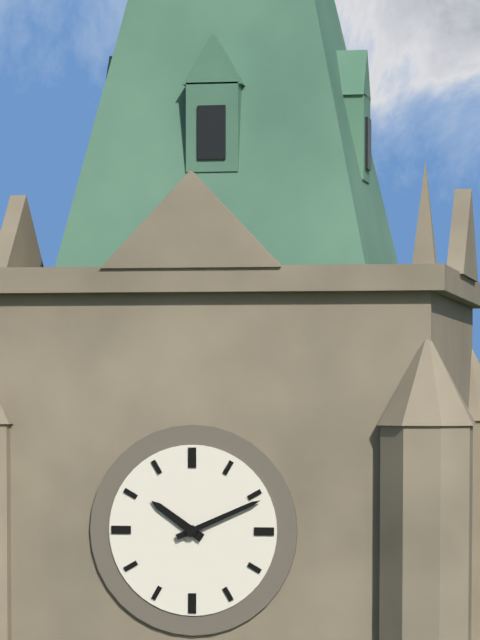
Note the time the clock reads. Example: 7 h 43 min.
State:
10 h 11 min
